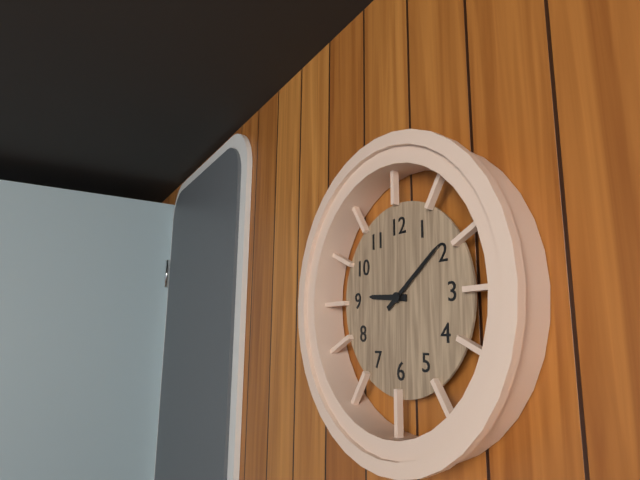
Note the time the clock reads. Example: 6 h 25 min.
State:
9 h 09 min
